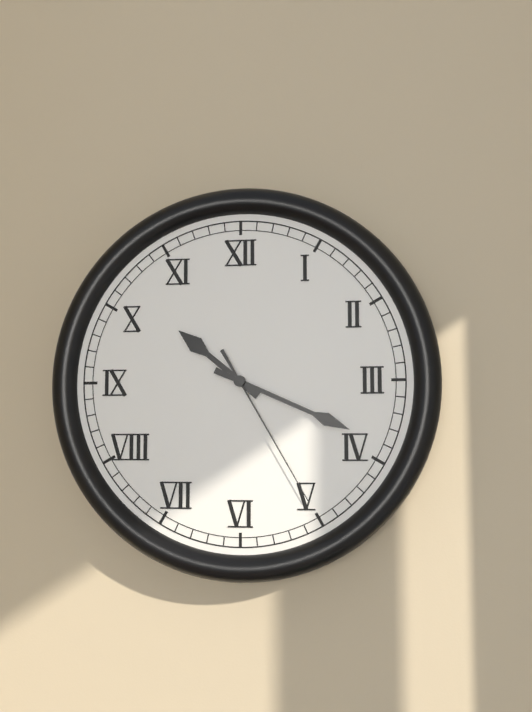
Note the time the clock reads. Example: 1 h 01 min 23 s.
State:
10 h 19 min 25 s
